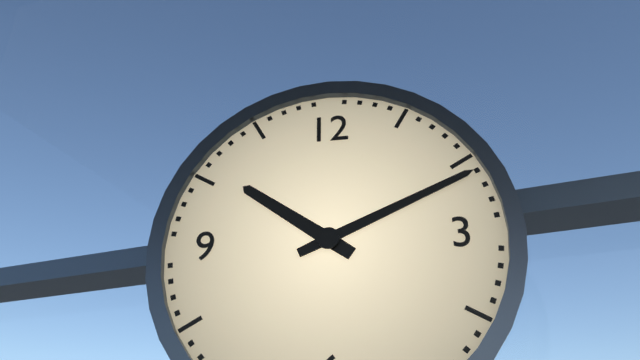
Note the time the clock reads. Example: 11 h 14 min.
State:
10 h 11 min
